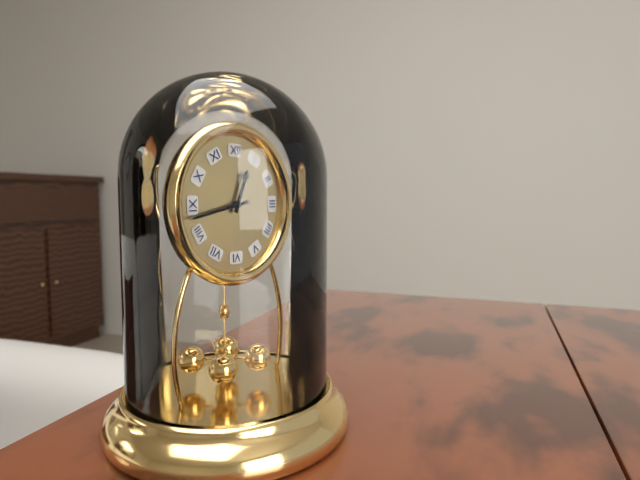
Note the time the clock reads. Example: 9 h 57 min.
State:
12 h 43 min
